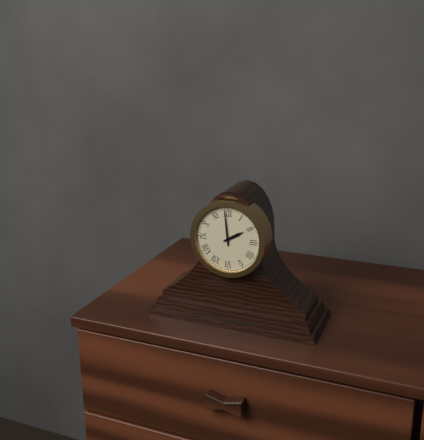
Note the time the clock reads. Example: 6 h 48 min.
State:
1 h 59 min
